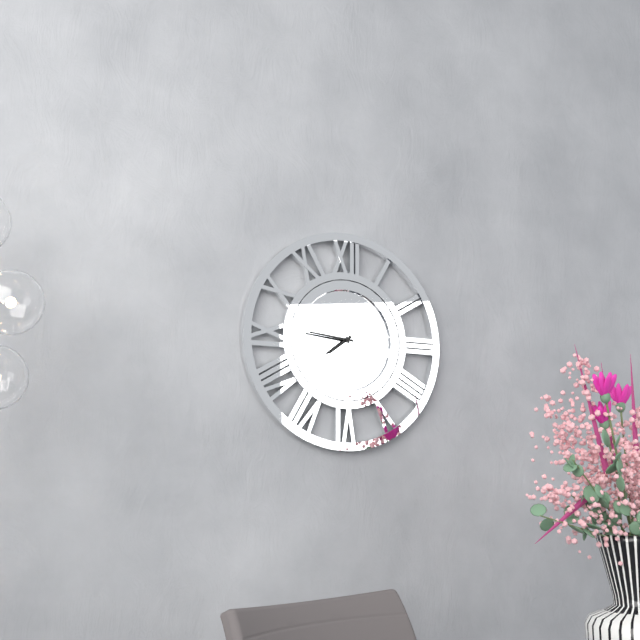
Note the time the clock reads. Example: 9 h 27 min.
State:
7 h 46 min
